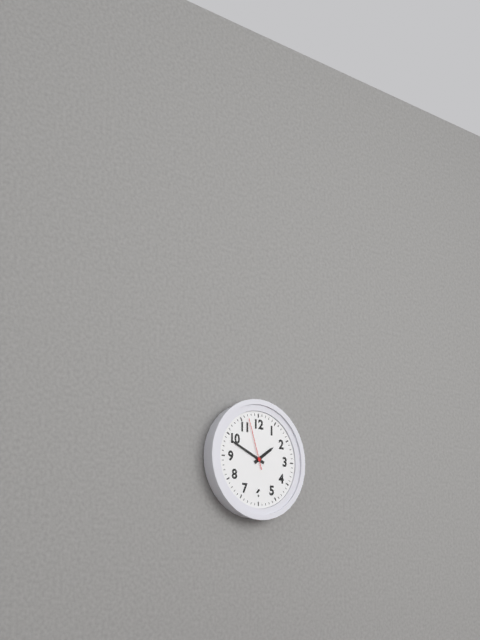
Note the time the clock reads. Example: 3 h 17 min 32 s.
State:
1 h 49 min 57 s
